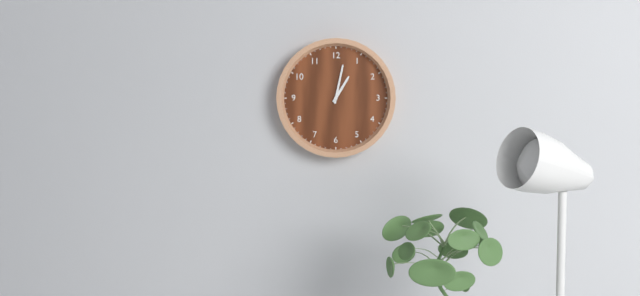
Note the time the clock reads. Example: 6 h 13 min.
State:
1 h 02 min
